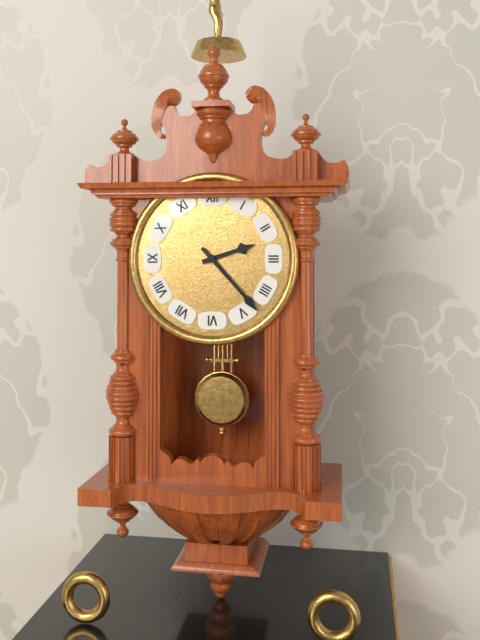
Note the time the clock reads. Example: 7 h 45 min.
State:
2 h 23 min
